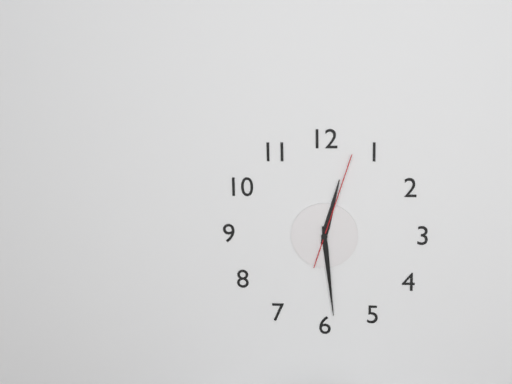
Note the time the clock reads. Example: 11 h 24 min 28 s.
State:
12 h 29 min 03 s
